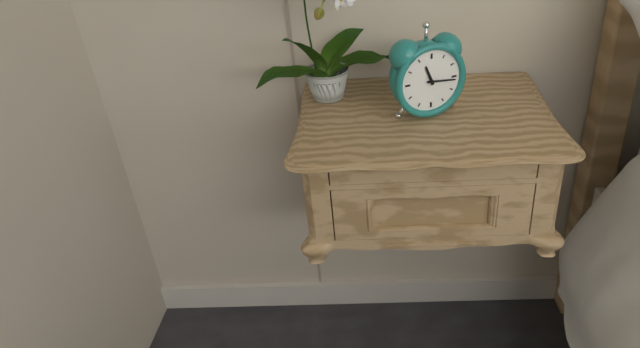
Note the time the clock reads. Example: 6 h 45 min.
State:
11 h 16 min
